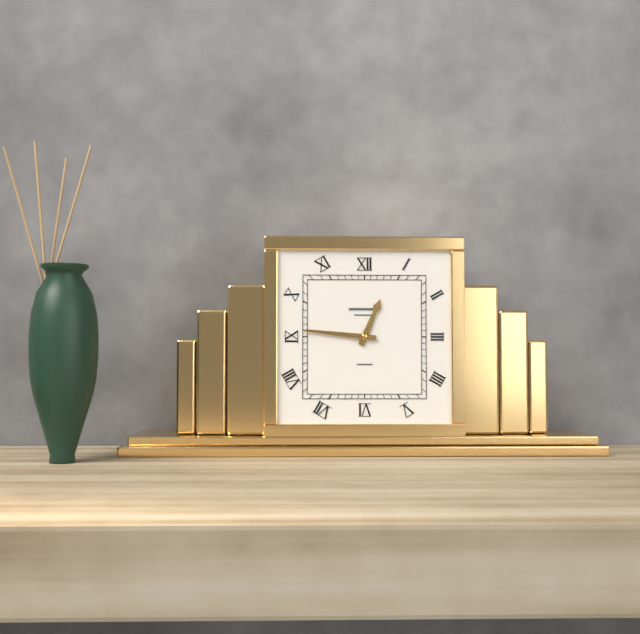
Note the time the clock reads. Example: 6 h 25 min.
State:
12 h 46 min
